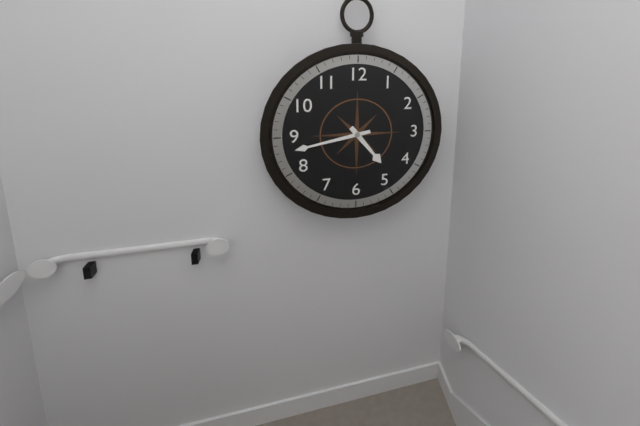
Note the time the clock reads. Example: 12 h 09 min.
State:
4 h 43 min
